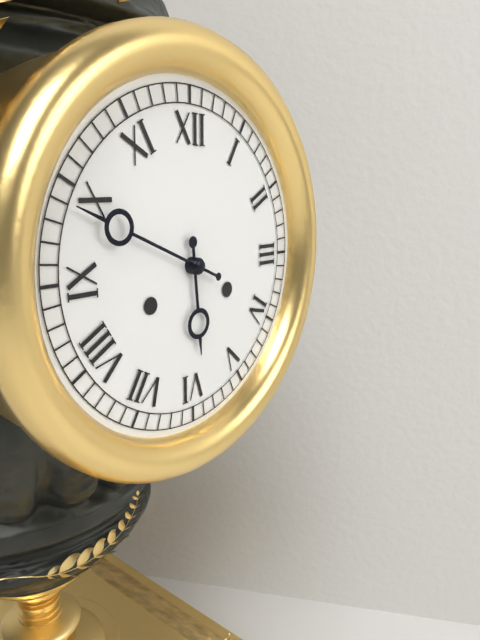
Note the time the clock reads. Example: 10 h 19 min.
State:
5 h 49 min
